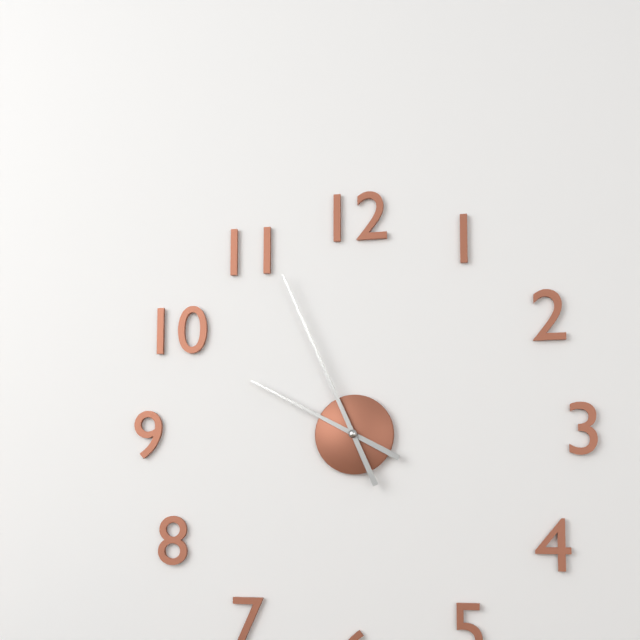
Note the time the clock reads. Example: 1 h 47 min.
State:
9 h 56 min
